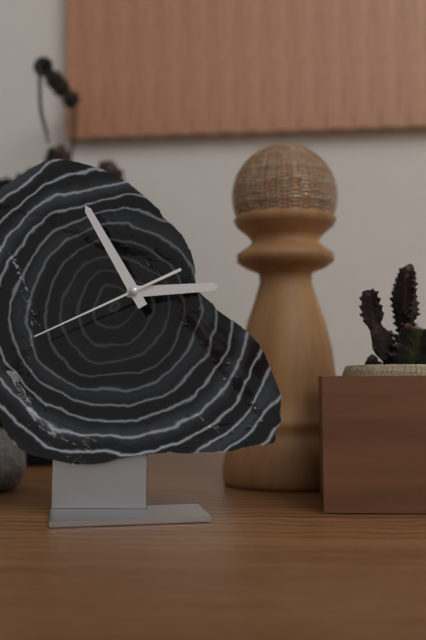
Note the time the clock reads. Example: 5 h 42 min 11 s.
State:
2 h 55 min 41 s
